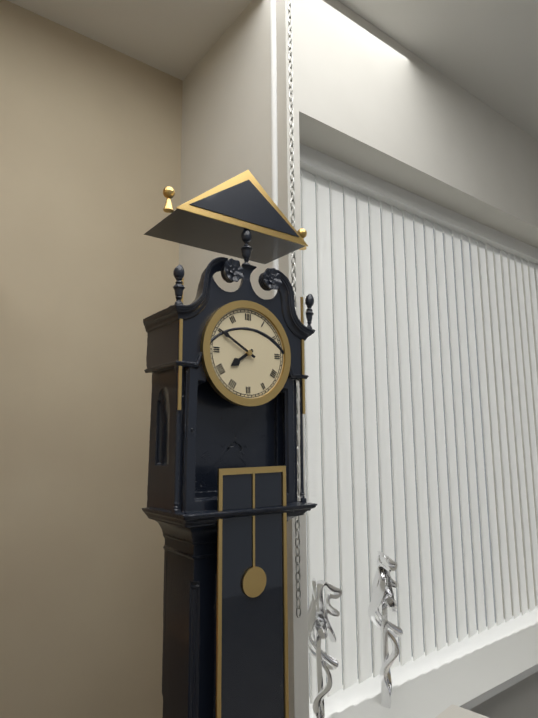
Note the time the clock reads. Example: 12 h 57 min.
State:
7 h 50 min
